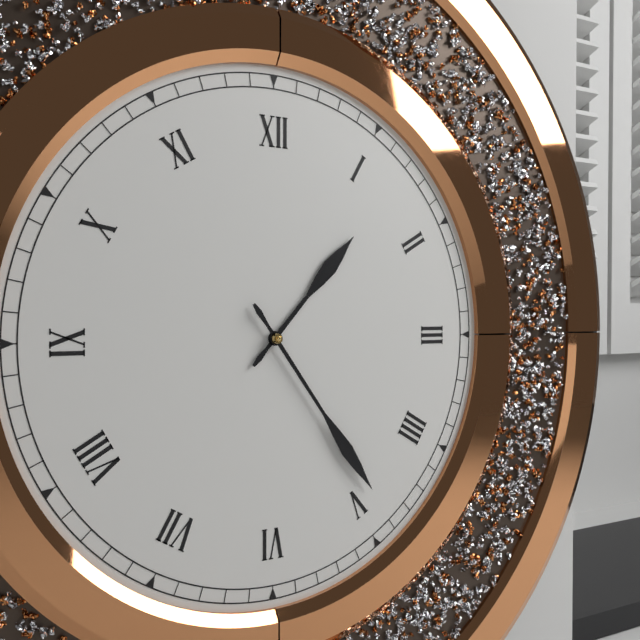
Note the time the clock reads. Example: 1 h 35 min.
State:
1 h 24 min
